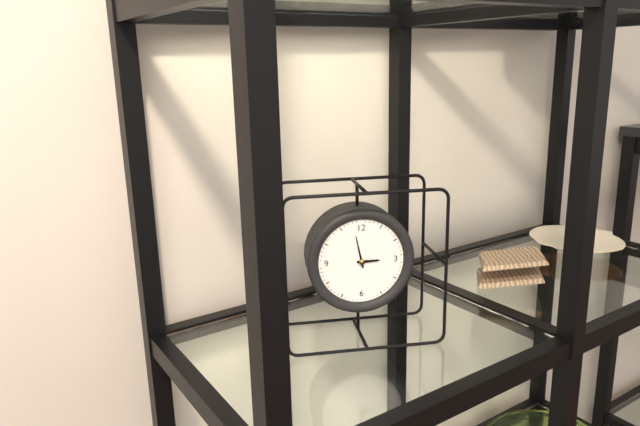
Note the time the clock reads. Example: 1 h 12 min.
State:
2 h 58 min
